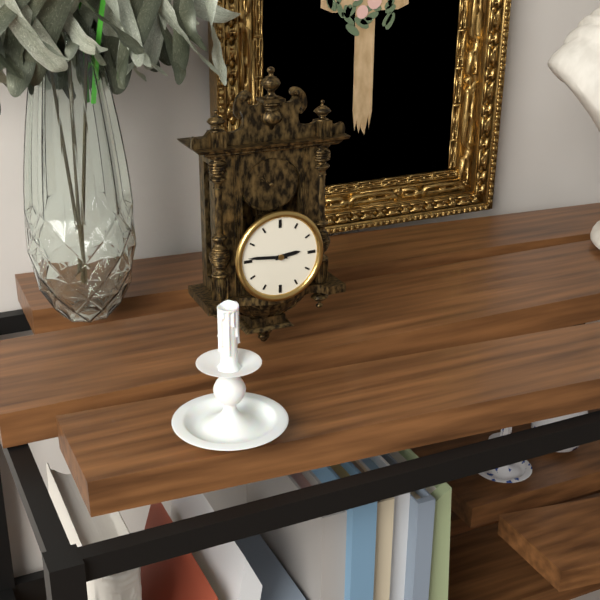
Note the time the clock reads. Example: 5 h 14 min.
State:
2 h 46 min
